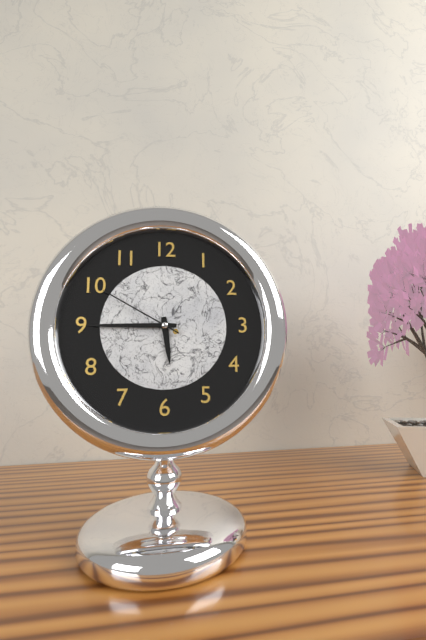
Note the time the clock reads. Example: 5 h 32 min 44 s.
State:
5 h 45 min 50 s
